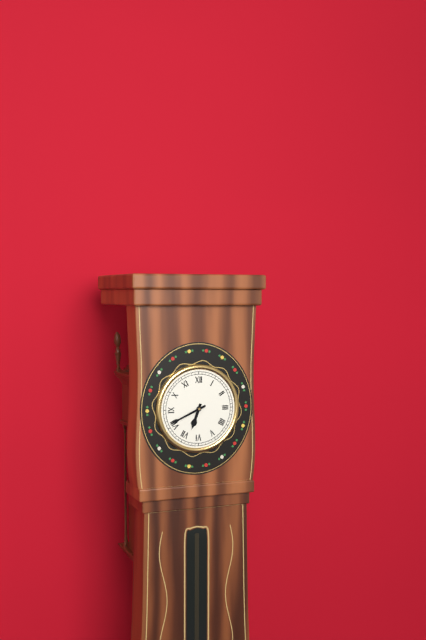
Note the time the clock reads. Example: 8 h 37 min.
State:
6 h 41 min
